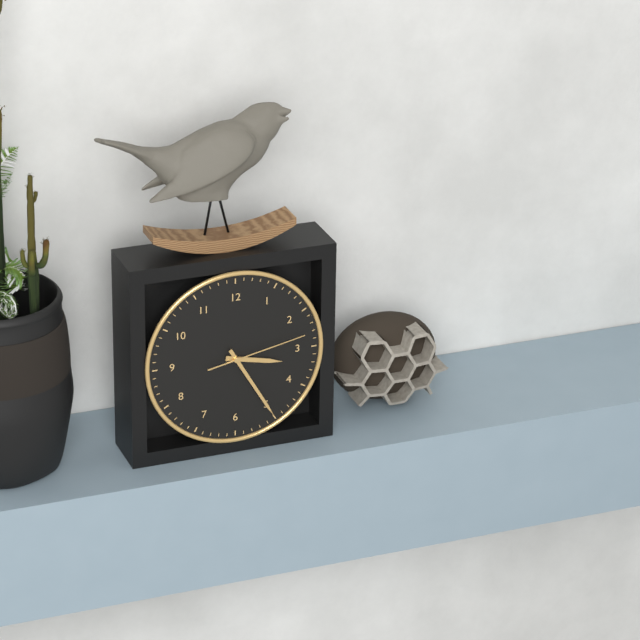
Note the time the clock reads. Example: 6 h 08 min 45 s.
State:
3 h 25 min 13 s
